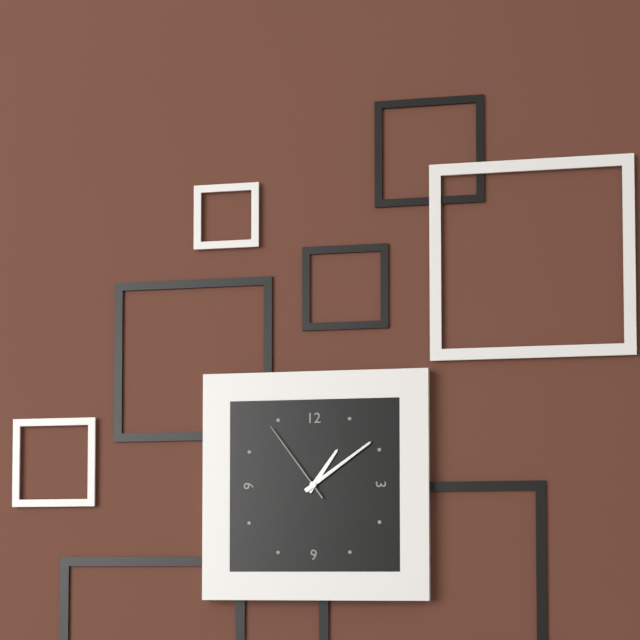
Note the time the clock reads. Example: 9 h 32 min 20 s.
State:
1 h 09 min 54 s
